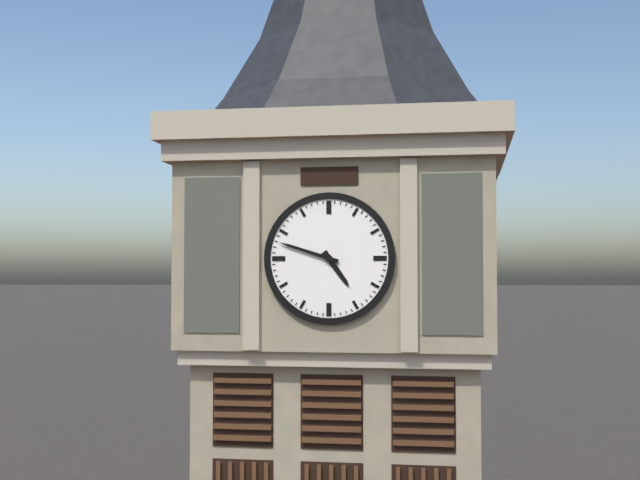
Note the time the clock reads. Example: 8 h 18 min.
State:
4 h 48 min
